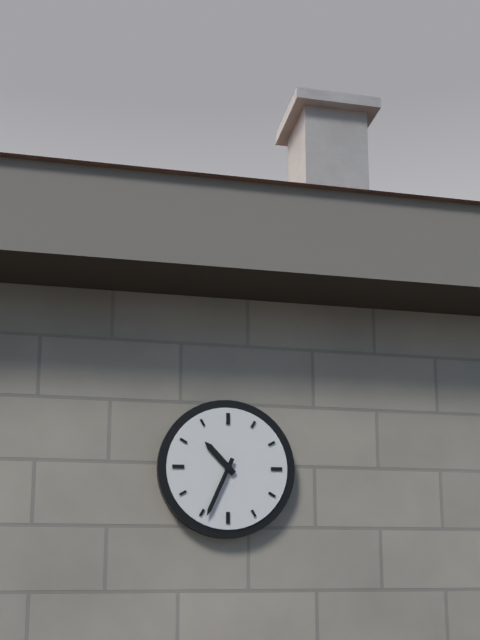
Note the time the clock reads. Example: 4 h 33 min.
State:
10 h 34 min
